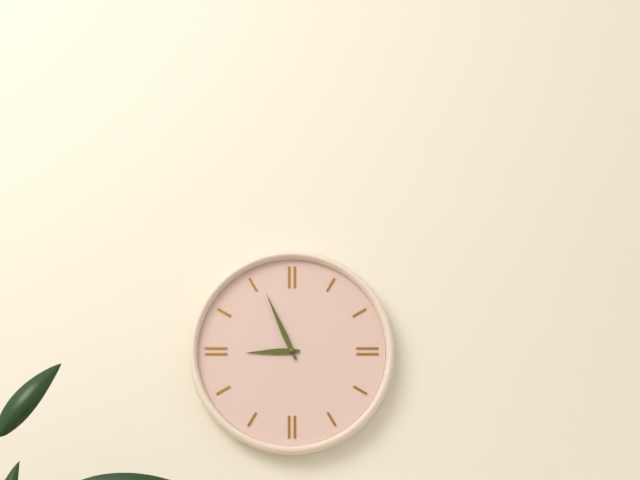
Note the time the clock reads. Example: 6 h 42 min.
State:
8 h 56 min
